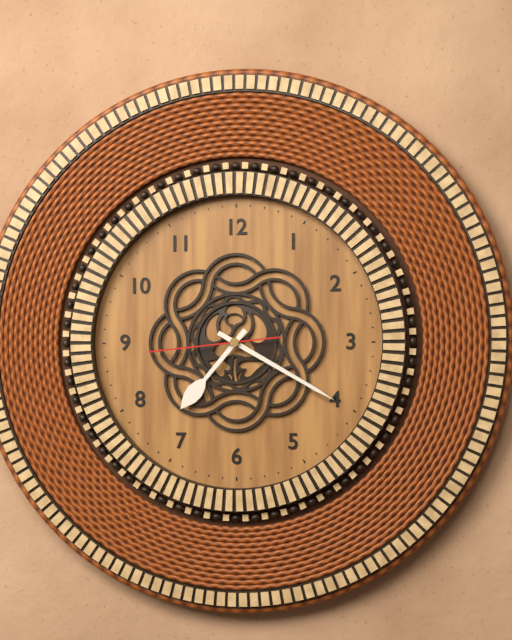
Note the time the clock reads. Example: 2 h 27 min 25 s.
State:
7 h 20 min 44 s
